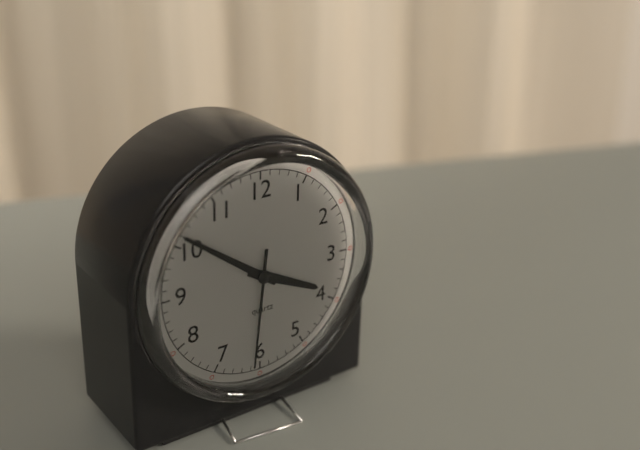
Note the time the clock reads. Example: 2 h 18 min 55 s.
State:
3 h 51 min 31 s
